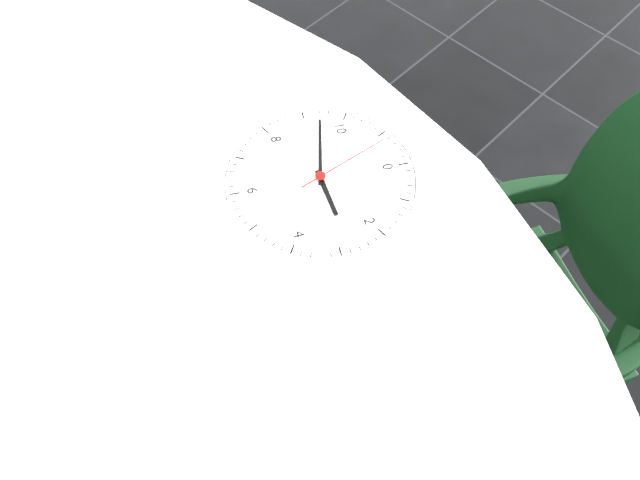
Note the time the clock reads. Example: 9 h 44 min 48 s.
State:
2 h 47 min 56 s
